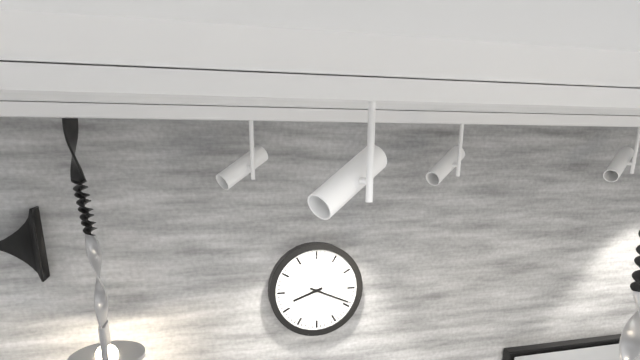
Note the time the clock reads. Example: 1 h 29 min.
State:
8 h 19 min
